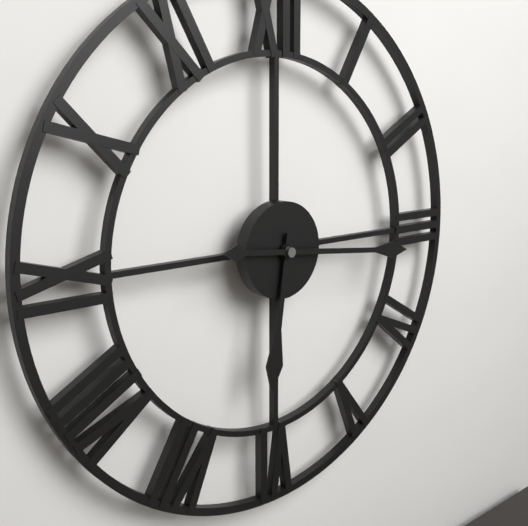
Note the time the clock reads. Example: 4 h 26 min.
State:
6 h 16 min
